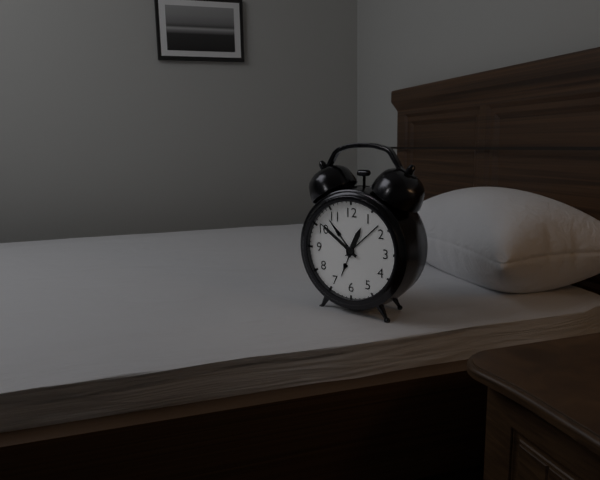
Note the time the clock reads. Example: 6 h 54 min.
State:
12 h 51 min
